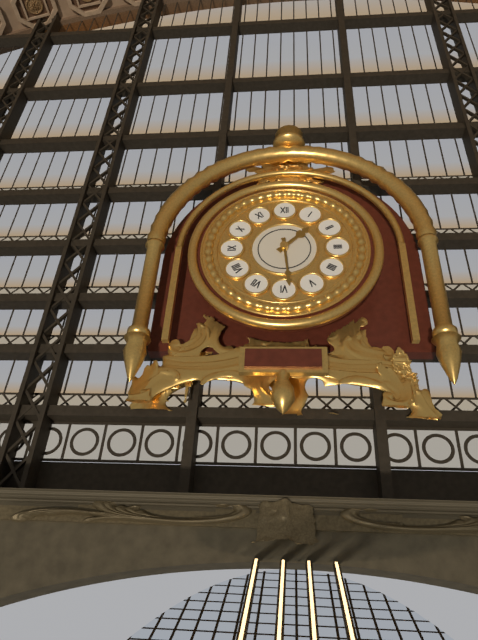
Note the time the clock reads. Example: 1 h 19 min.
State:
1 h 29 min
